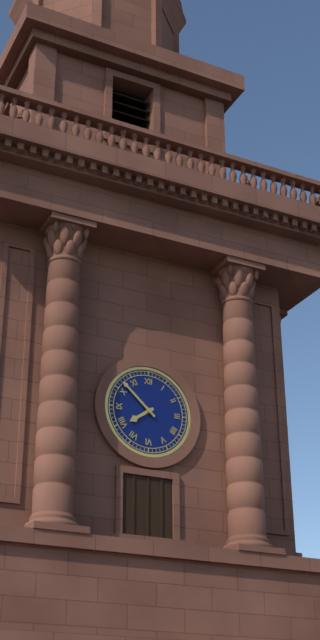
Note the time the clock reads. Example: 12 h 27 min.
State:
7 h 52 min
